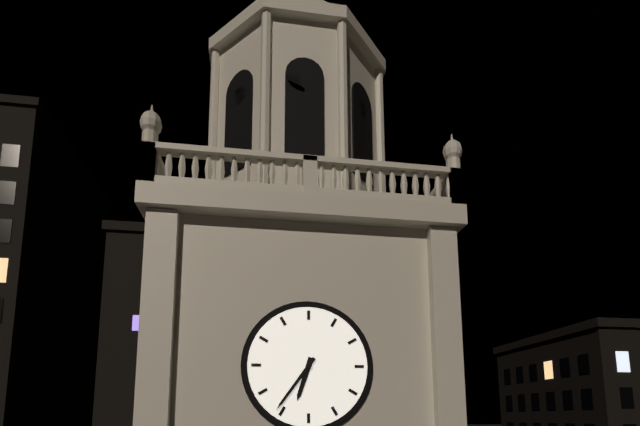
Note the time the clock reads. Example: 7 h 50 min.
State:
6 h 36 min
